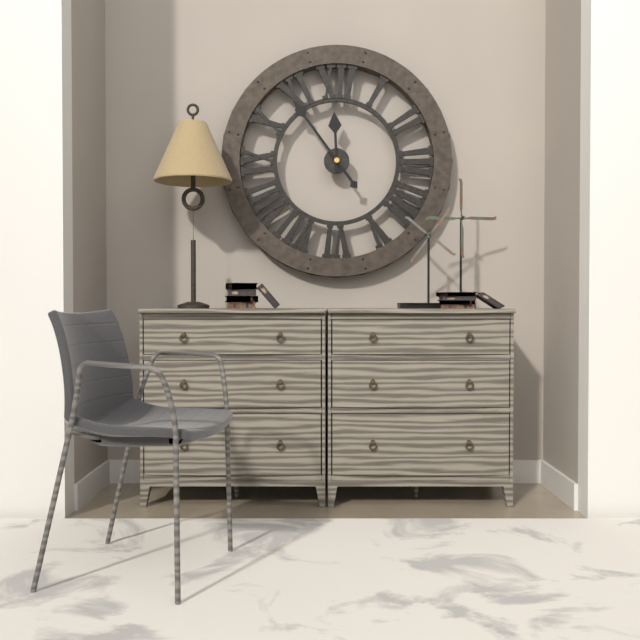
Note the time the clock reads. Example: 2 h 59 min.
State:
11 h 54 min
